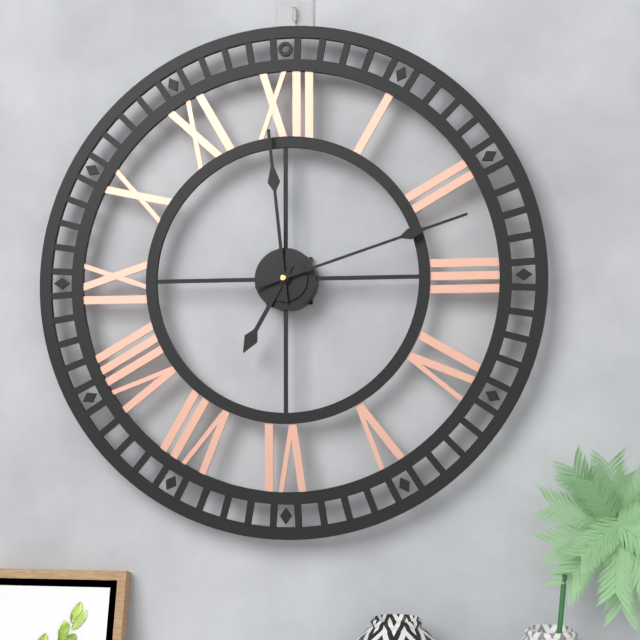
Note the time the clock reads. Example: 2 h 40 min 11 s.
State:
6 h 59 min 12 s
